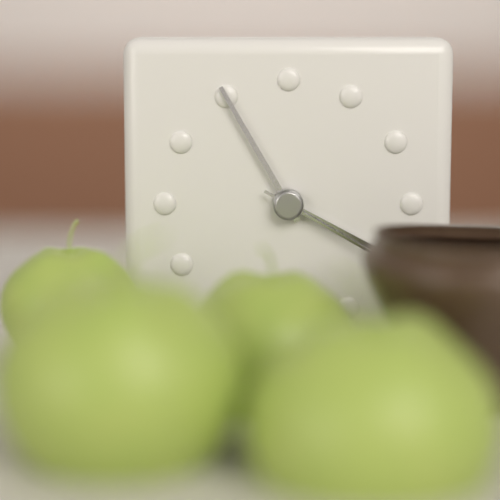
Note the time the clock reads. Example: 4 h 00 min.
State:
3 h 55 min
